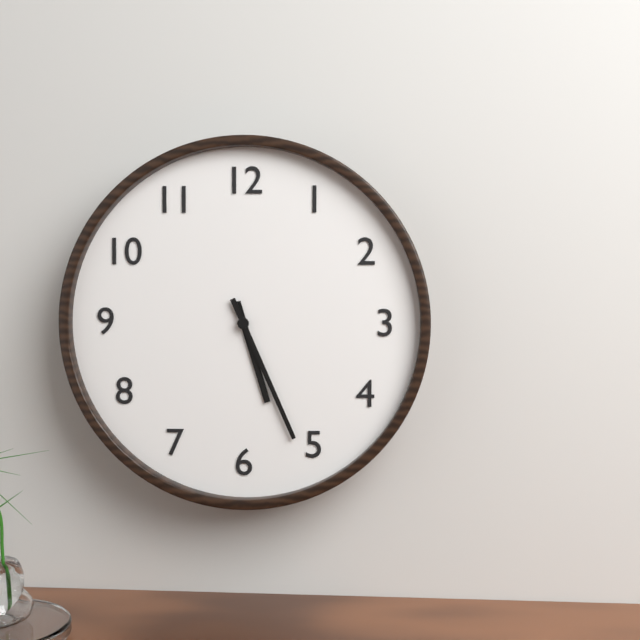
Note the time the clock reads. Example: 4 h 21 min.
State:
5 h 26 min
